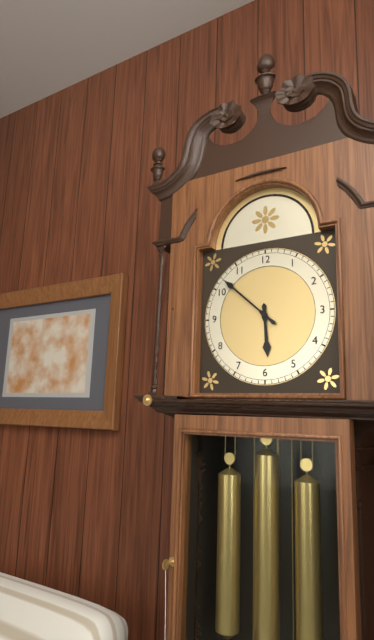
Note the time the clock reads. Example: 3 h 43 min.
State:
5 h 52 min
